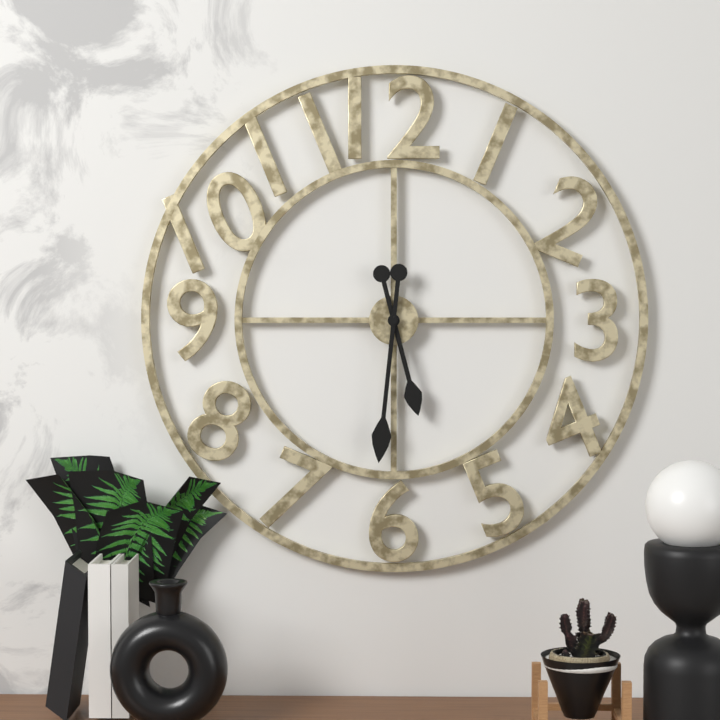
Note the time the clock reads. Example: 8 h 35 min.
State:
5 h 31 min
